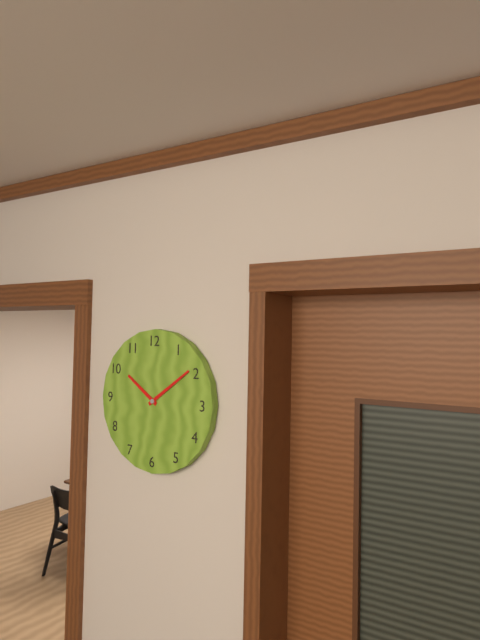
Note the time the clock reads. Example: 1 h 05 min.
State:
10 h 09 min
